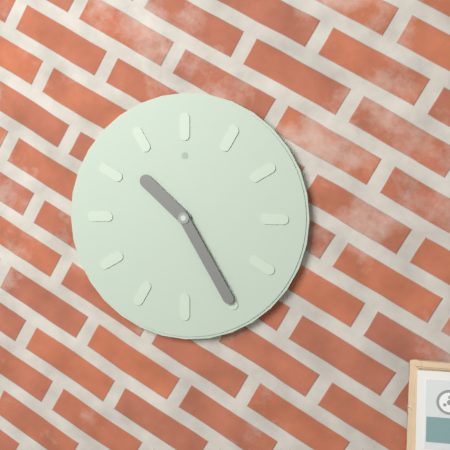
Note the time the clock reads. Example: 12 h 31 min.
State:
10 h 25 min
